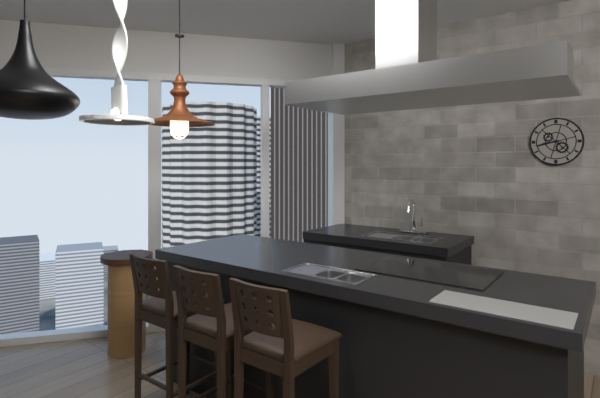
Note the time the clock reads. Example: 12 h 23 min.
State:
8 h 43 min
